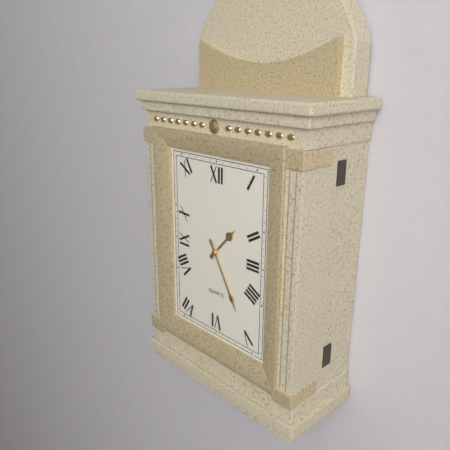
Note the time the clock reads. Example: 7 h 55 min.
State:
1 h 25 min
